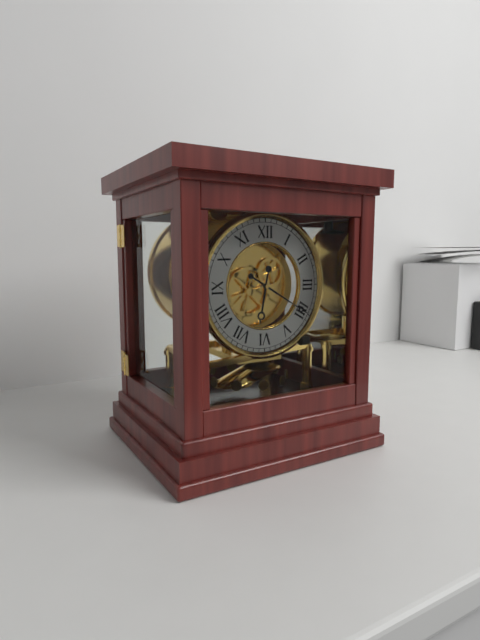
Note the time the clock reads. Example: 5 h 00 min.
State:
6 h 20 min
